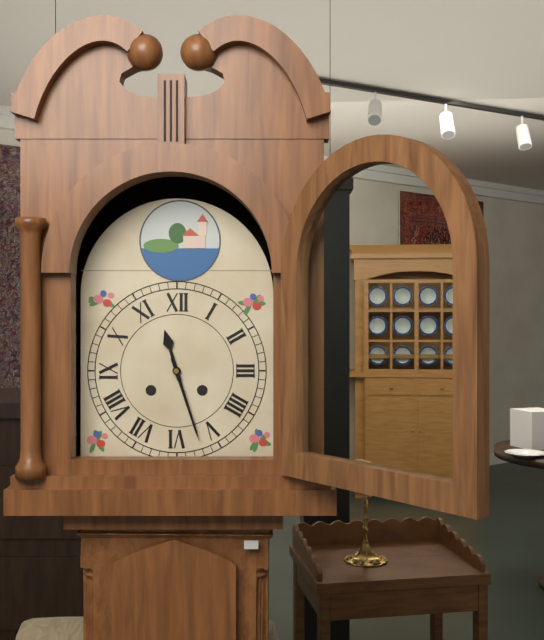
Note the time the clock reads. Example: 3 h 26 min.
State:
11 h 27 min
